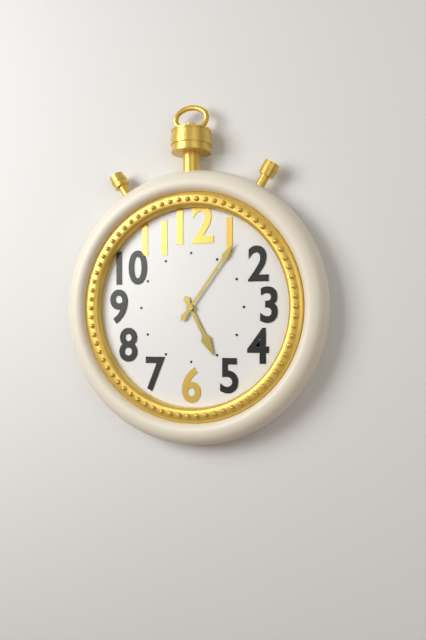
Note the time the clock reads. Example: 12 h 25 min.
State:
5 h 06 min
